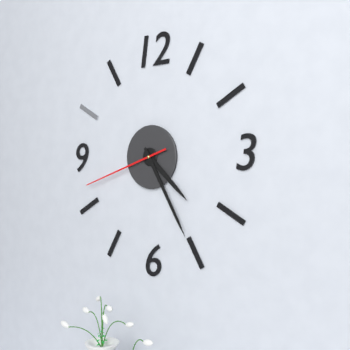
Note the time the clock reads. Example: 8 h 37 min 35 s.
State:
4 h 25 min 42 s
